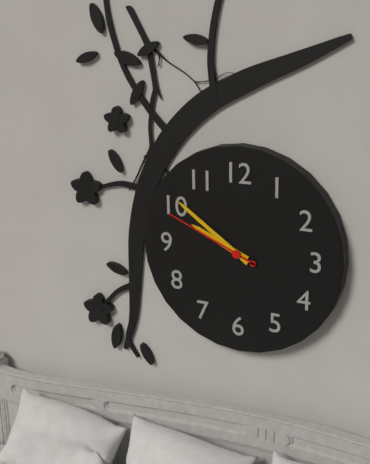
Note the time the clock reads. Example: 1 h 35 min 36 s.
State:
9 h 51 min 49 s
